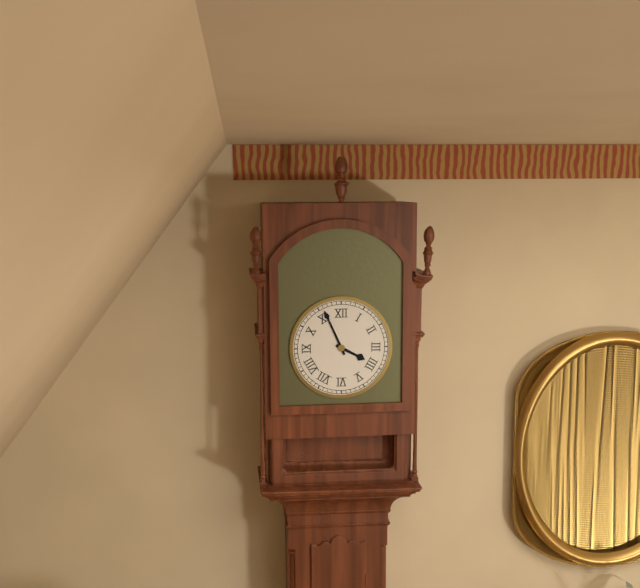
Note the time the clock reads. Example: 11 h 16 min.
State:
3 h 56 min
